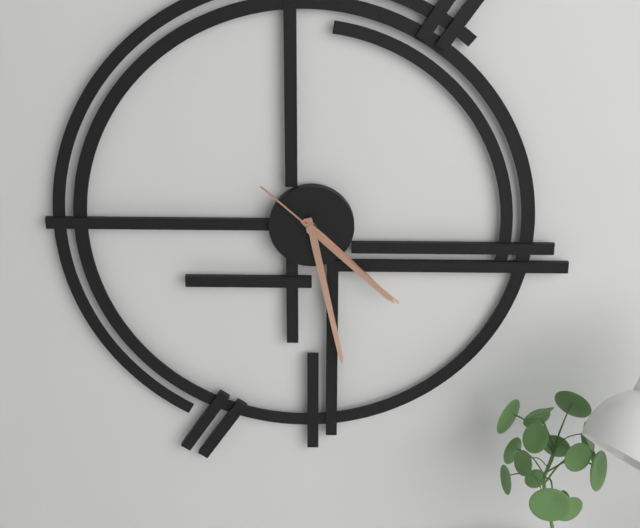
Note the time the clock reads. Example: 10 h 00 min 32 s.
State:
4 h 28 min 22 s
